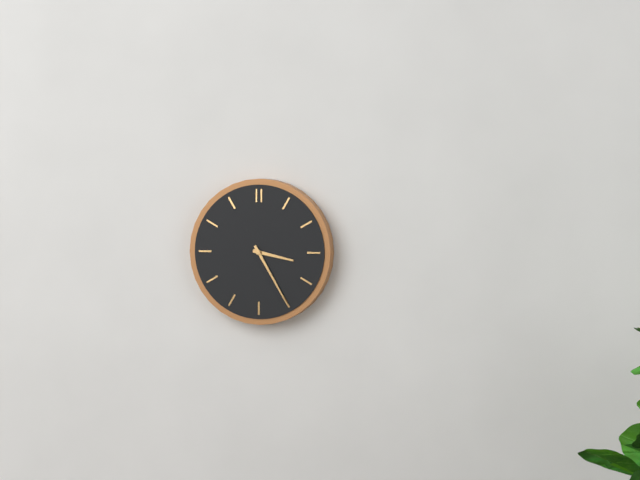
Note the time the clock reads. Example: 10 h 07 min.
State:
3 h 25 min
